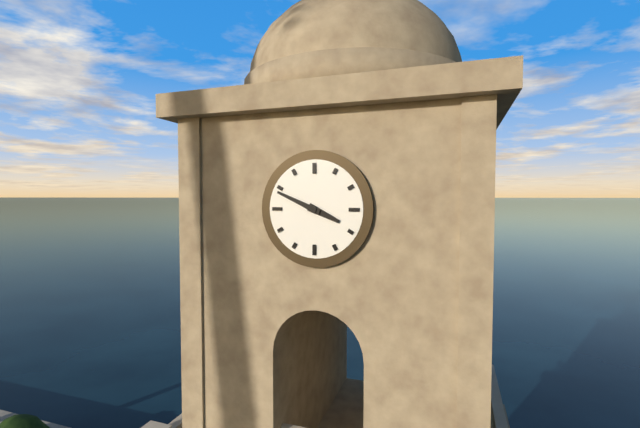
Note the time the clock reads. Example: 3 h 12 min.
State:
3 h 49 min
